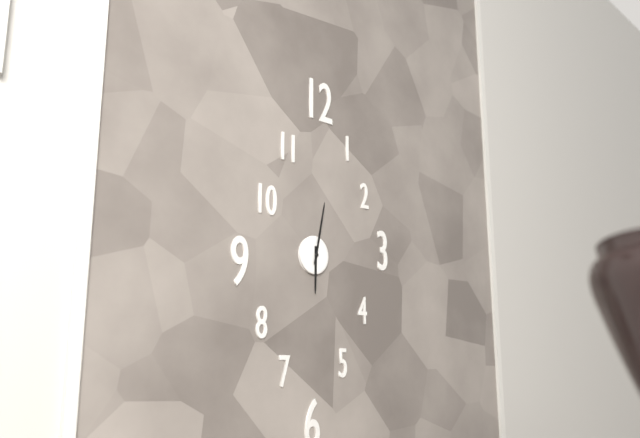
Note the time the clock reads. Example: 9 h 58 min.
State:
6 h 02 min
